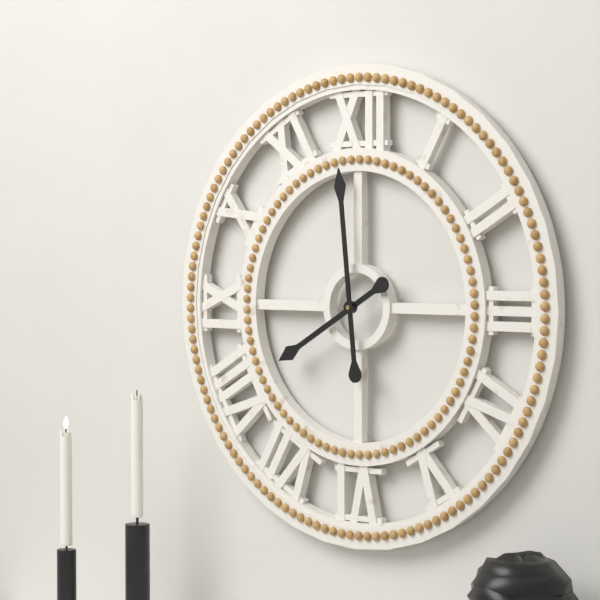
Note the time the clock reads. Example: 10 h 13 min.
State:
7 h 59 min
